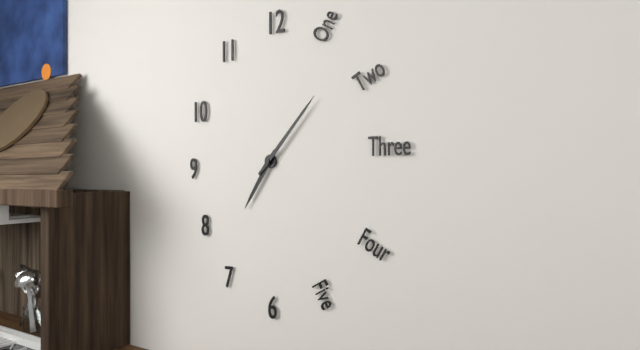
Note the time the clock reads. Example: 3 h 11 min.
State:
7 h 07 min
